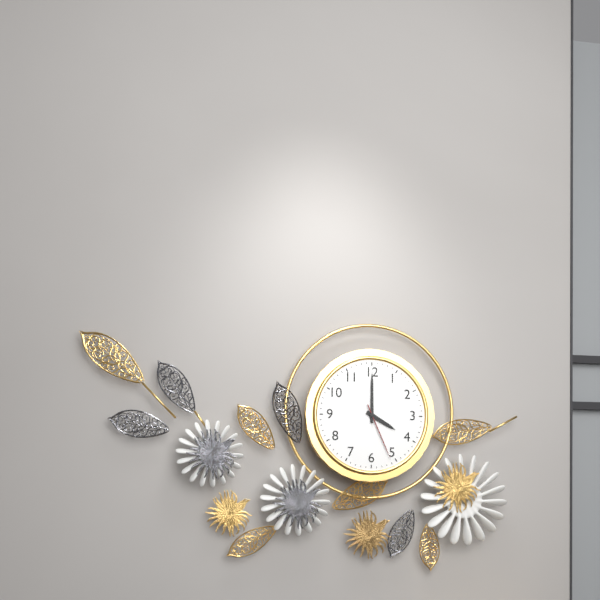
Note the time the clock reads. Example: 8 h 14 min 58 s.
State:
4 h 00 min 26 s
